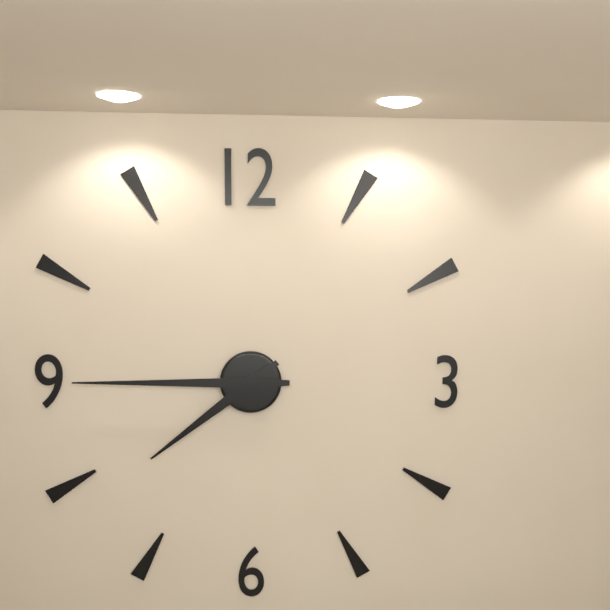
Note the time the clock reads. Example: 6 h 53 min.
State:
7 h 45 min
